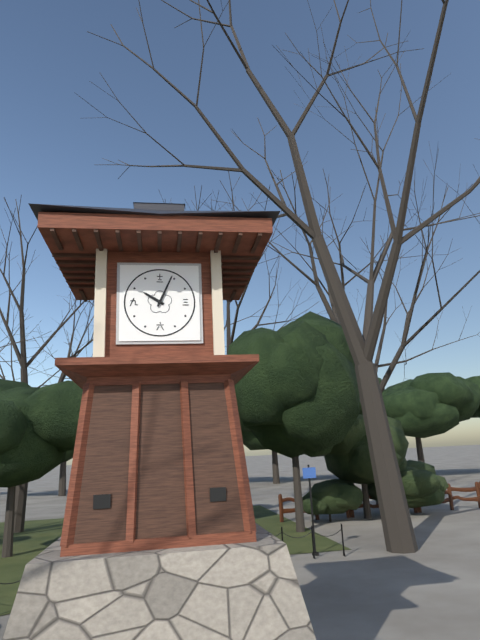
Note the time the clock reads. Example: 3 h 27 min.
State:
10 h 04 min
